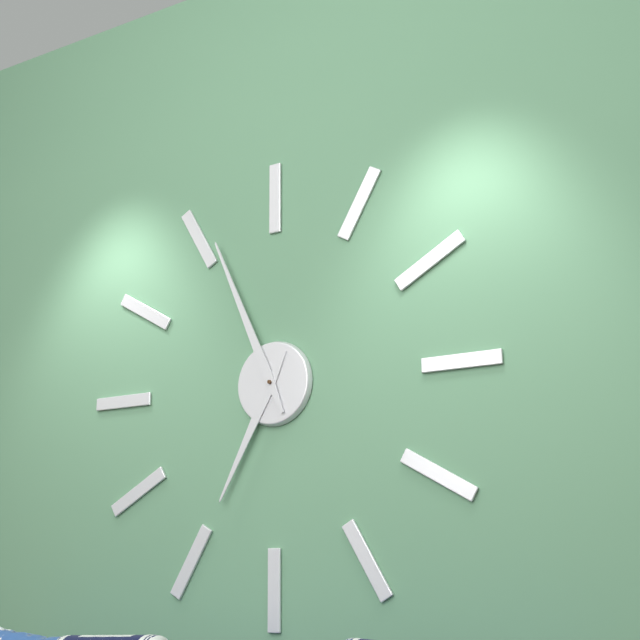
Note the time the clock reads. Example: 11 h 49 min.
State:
6 h 56 min
